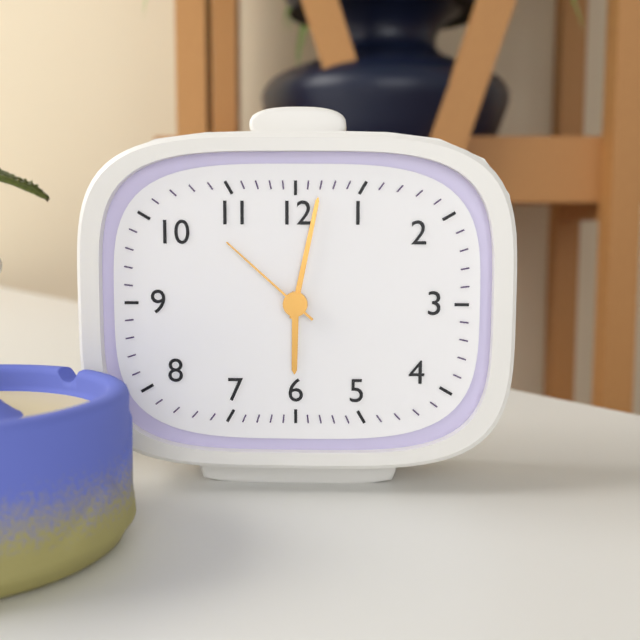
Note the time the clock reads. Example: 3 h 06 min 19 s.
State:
6 h 02 min 52 s
